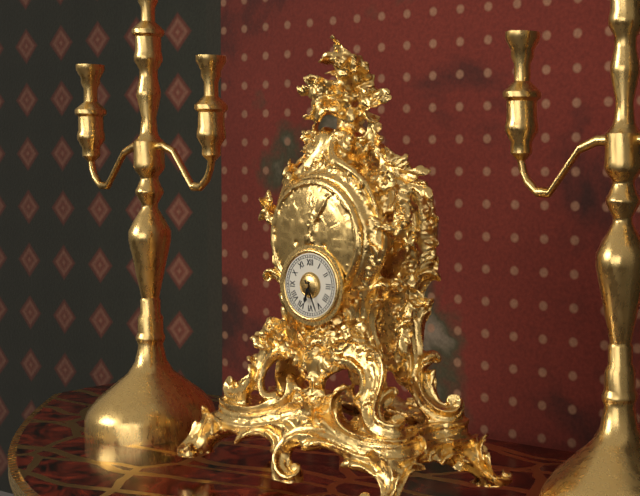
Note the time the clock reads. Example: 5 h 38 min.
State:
6 h 26 min
